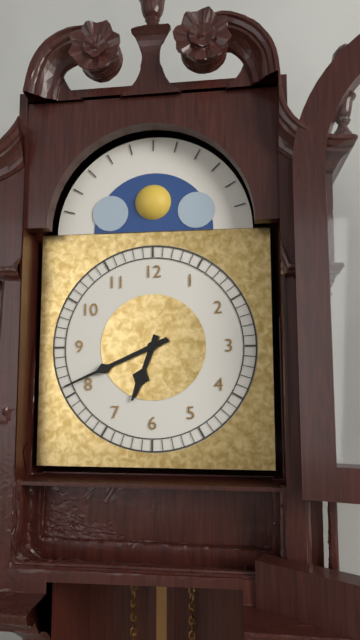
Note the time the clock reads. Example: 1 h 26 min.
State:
6 h 41 min
